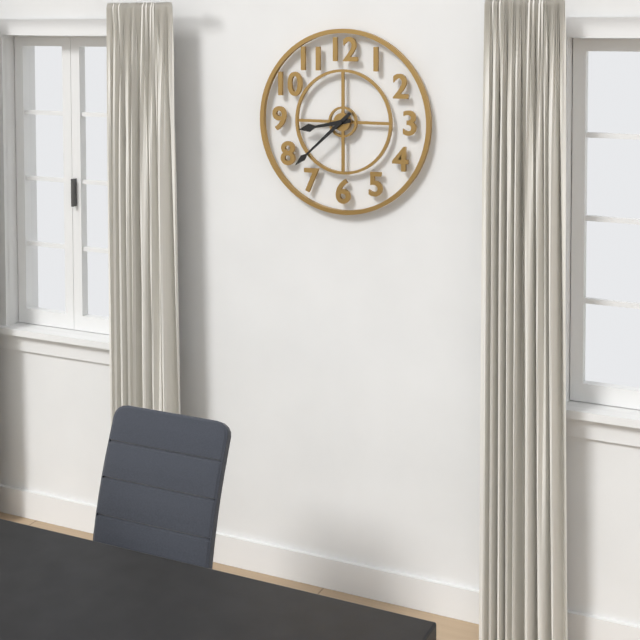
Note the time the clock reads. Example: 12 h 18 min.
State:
8 h 38 min
